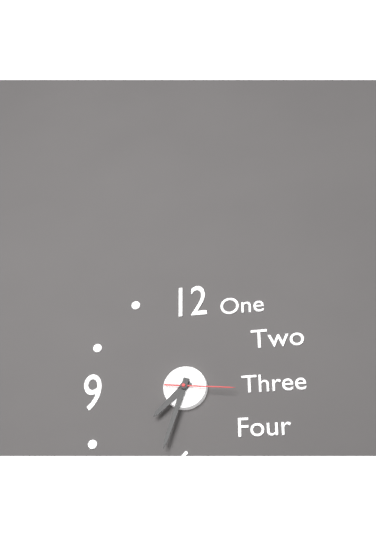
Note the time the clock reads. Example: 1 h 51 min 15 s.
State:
7 h 33 min 16 s
